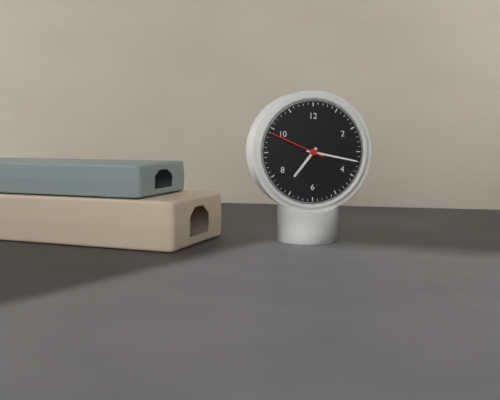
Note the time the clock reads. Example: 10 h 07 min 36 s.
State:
7 h 17 min 49 s
